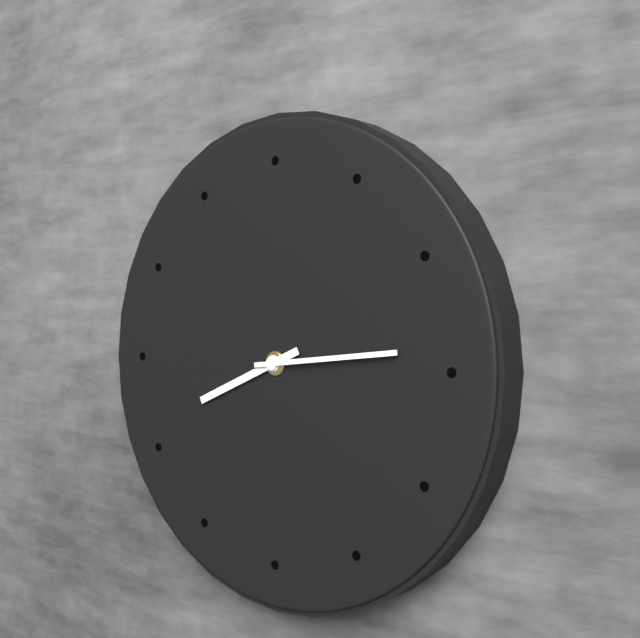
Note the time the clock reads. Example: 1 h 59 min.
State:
8 h 14 min
